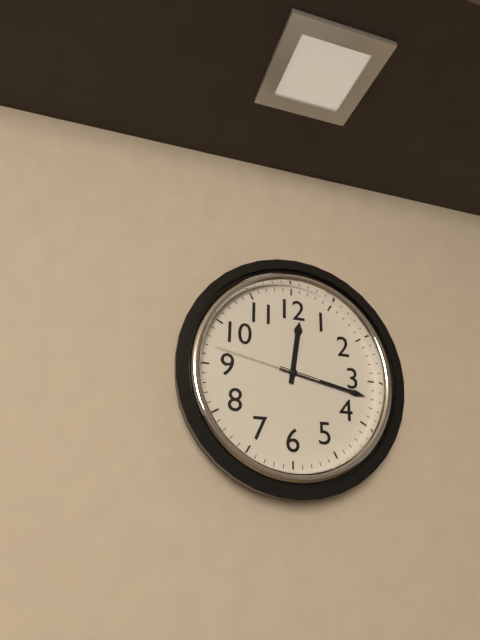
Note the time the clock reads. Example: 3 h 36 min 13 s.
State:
12 h 17 min 47 s
